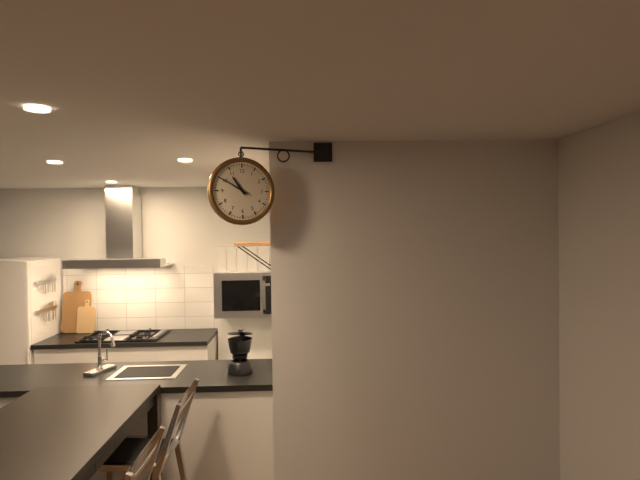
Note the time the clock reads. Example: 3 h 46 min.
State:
10 h 50 min
